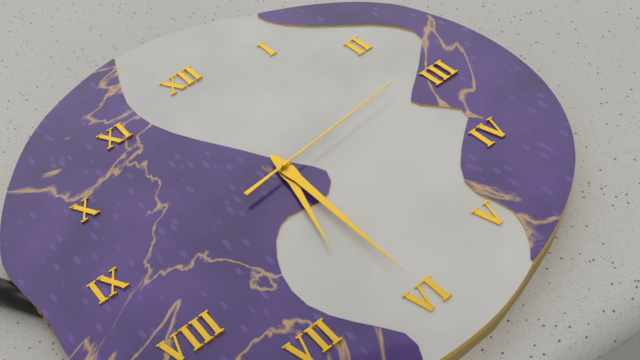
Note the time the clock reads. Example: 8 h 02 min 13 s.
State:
6 h 30 min 14 s
